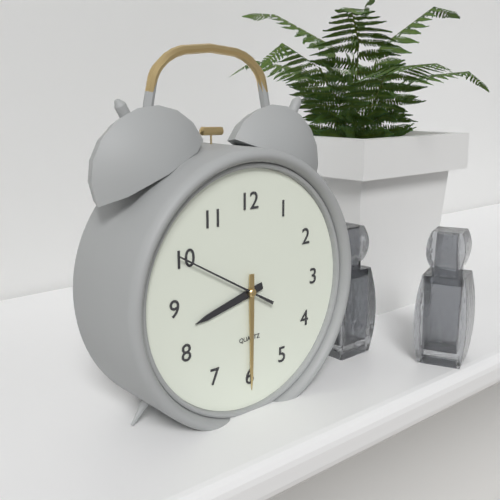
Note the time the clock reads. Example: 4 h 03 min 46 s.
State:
8 h 30 min 50 s
